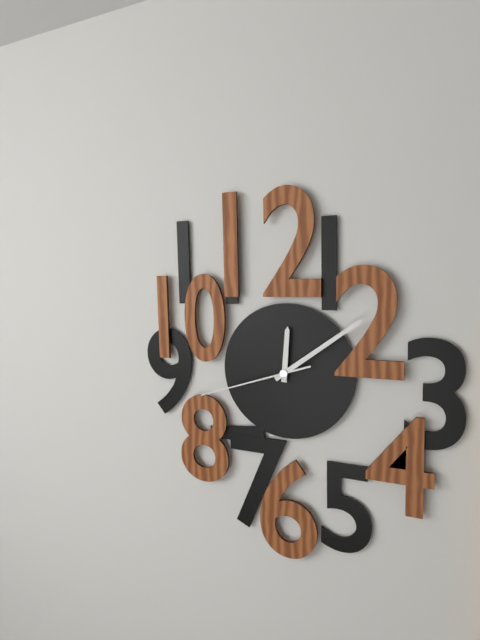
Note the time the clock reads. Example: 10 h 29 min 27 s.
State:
12 h 09 min 42 s
